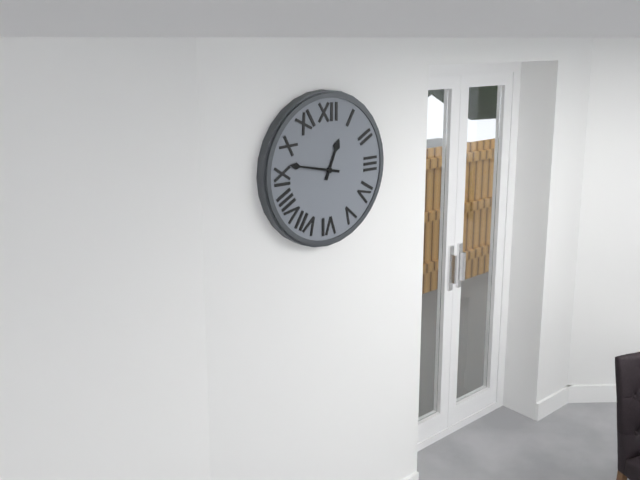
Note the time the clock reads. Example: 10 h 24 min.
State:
12 h 47 min
